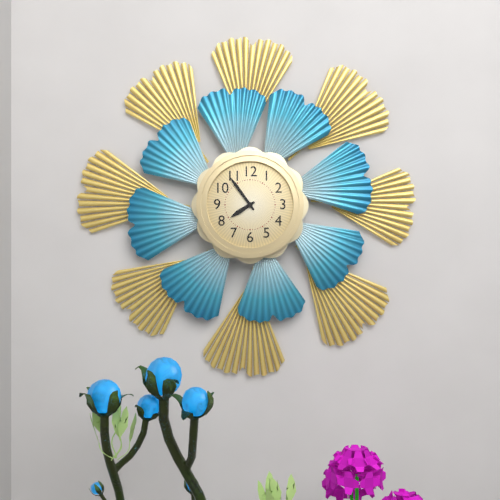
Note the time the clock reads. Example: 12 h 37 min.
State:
7 h 54 min
